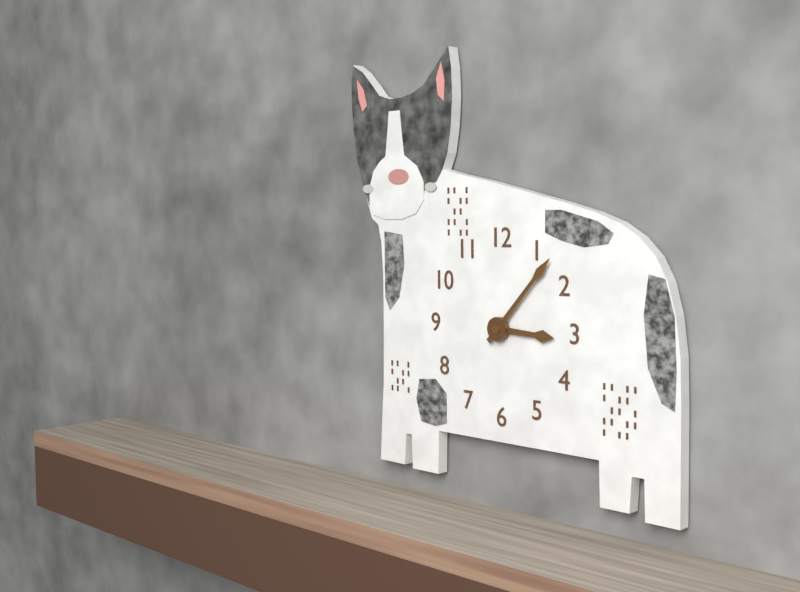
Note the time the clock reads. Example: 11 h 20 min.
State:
3 h 07 min
